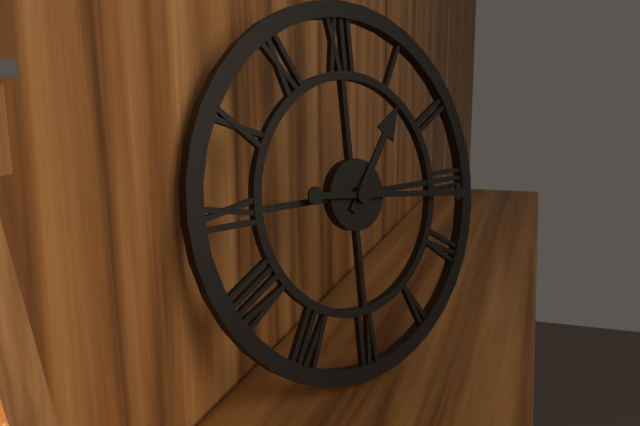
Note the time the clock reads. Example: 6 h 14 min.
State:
1 h 16 min
